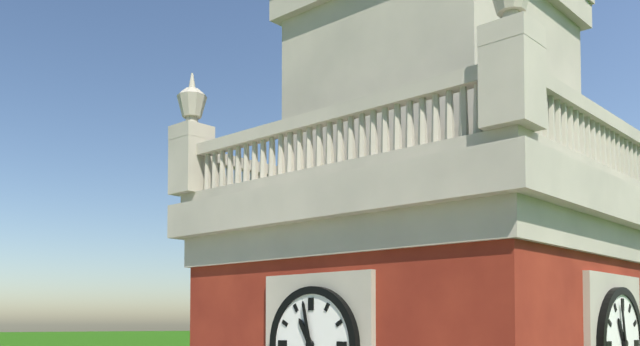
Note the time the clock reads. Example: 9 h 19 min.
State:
10 h 58 min
